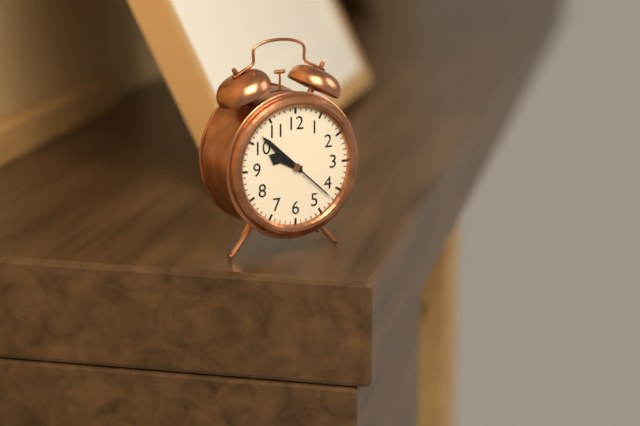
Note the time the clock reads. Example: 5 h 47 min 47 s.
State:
9 h 52 min 22 s
